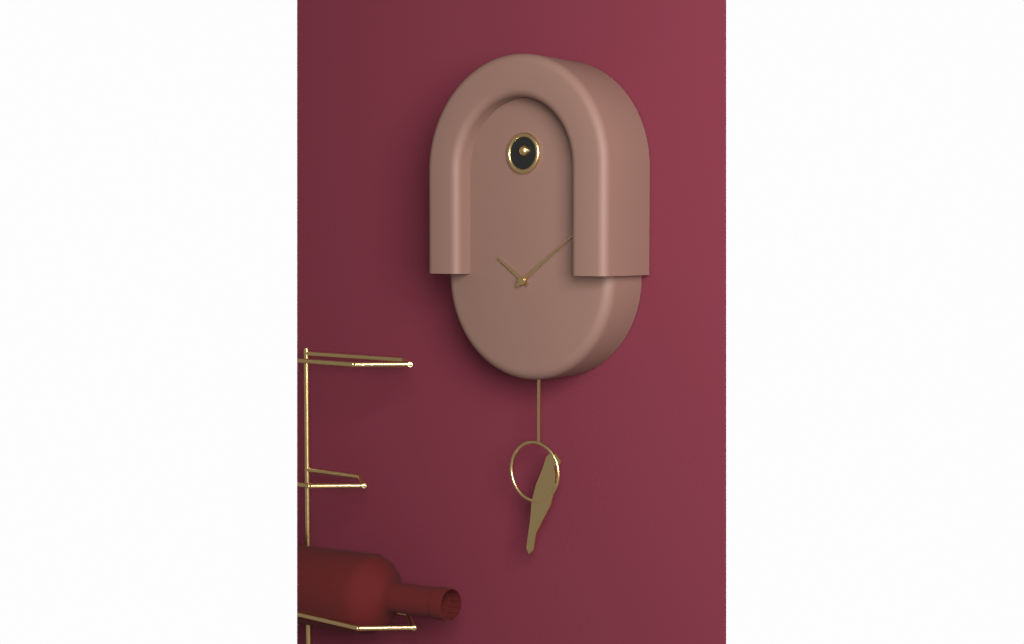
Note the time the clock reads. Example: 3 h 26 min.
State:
10 h 09 min
